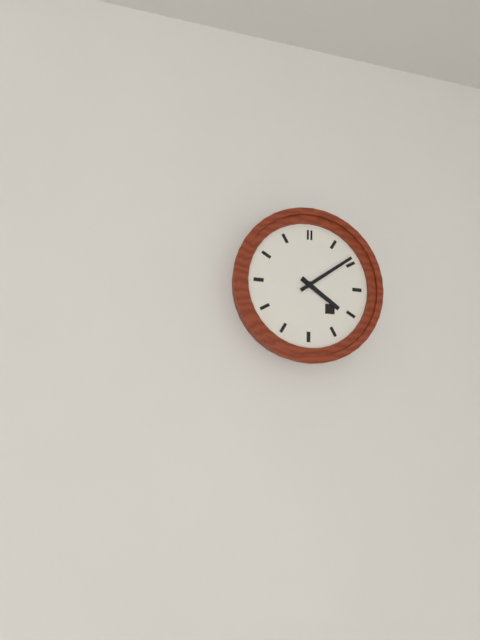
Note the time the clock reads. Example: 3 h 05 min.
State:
4 h 09 min
